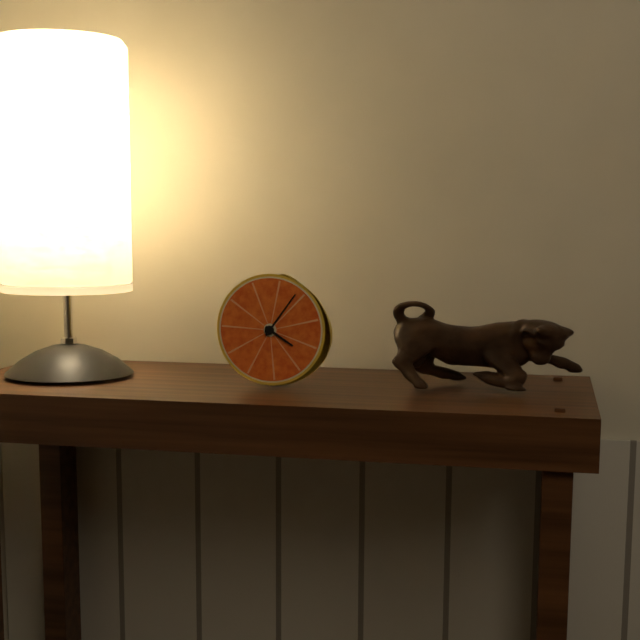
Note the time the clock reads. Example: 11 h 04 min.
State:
4 h 06 min
